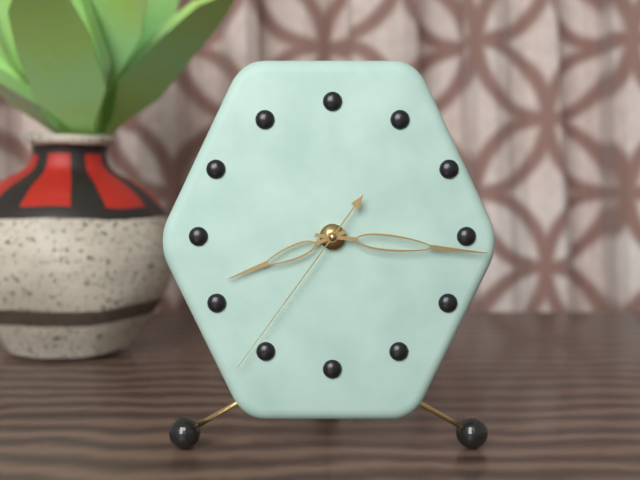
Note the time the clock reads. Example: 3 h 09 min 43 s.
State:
8 h 16 min 36 s
